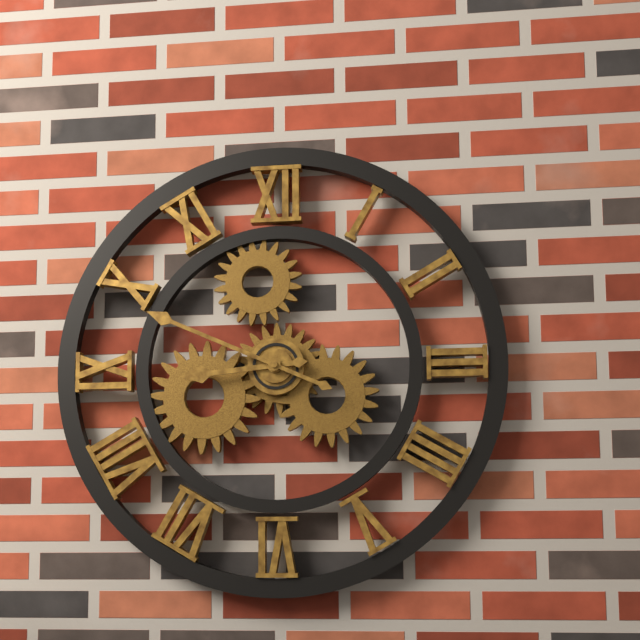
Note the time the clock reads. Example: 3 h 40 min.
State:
8 h 49 min
